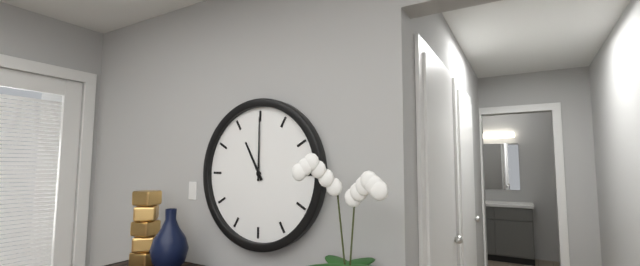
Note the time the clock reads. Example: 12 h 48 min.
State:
11 h 00 min
